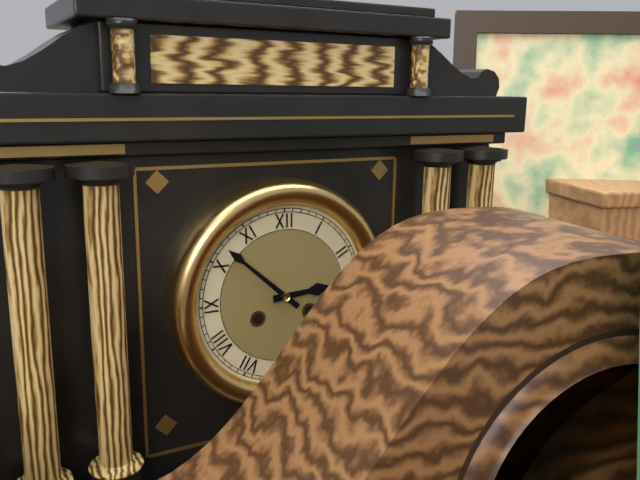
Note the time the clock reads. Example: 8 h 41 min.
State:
2 h 52 min
